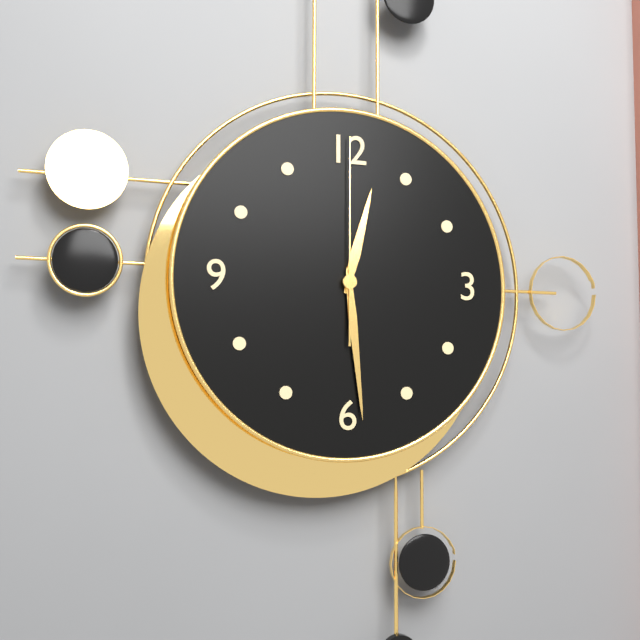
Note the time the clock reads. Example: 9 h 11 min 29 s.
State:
12 h 29 min 00 s
